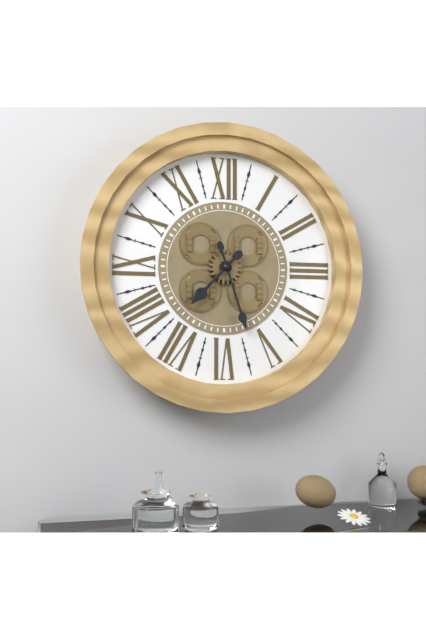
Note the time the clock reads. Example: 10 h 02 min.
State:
7 h 27 min
